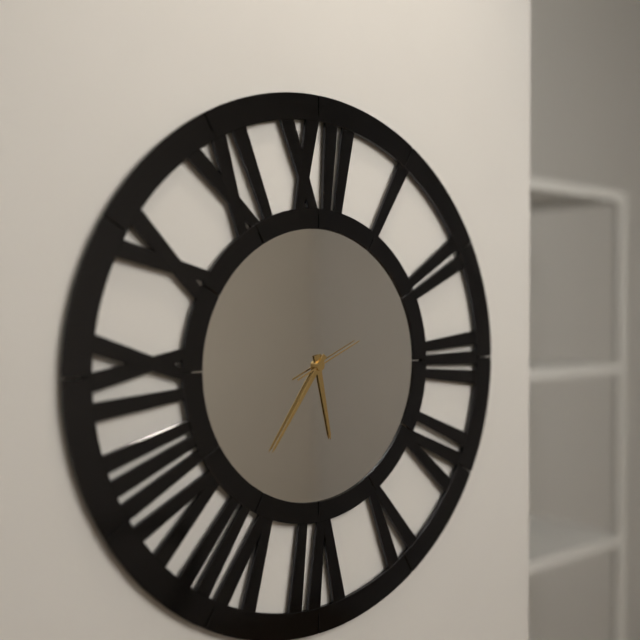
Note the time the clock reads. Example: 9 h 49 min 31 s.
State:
5 h 36 min 11 s
